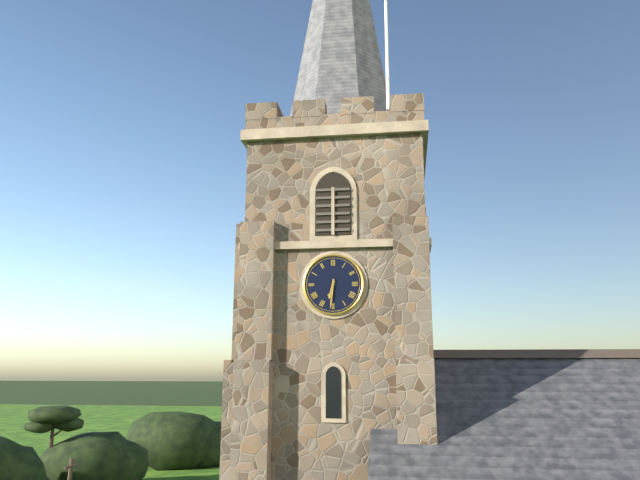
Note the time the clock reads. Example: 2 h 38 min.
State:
6 h 31 min
